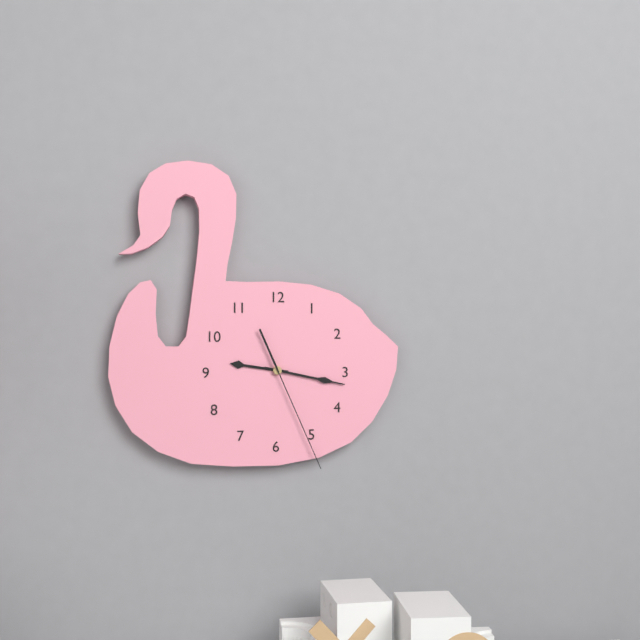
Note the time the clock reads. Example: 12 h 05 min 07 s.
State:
9 h 17 min 26 s
